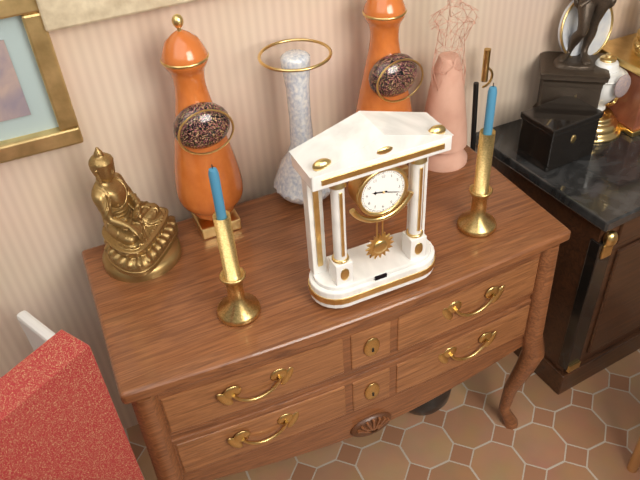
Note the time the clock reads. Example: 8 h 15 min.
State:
9 h 18 min
